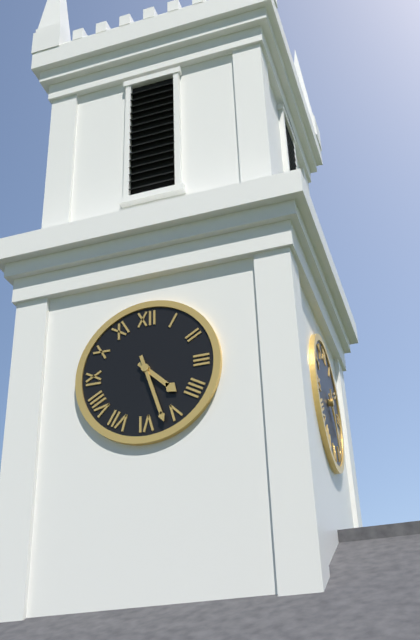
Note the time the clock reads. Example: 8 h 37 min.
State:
4 h 27 min
